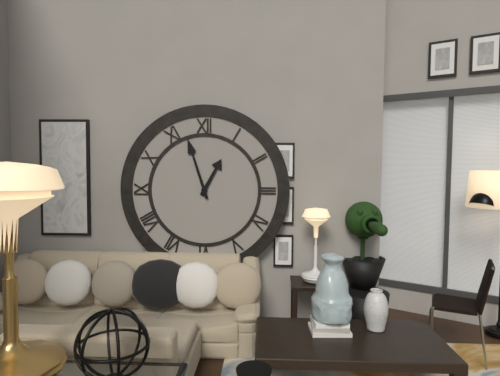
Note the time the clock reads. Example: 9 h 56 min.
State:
12 h 57 min
